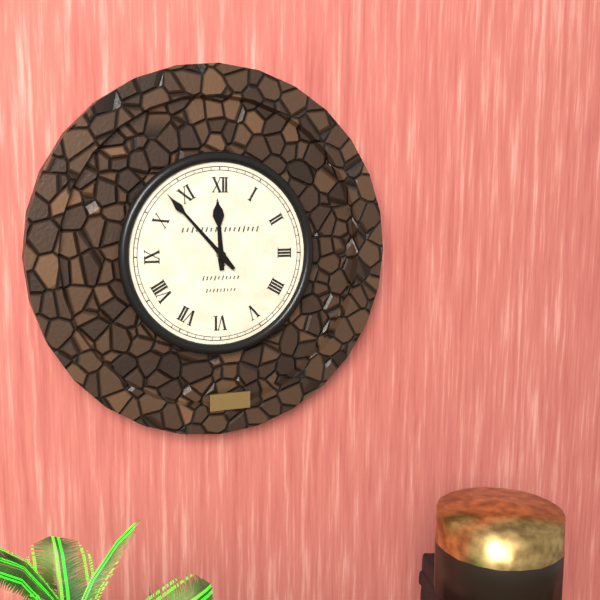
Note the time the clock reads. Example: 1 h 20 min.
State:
11 h 53 min
